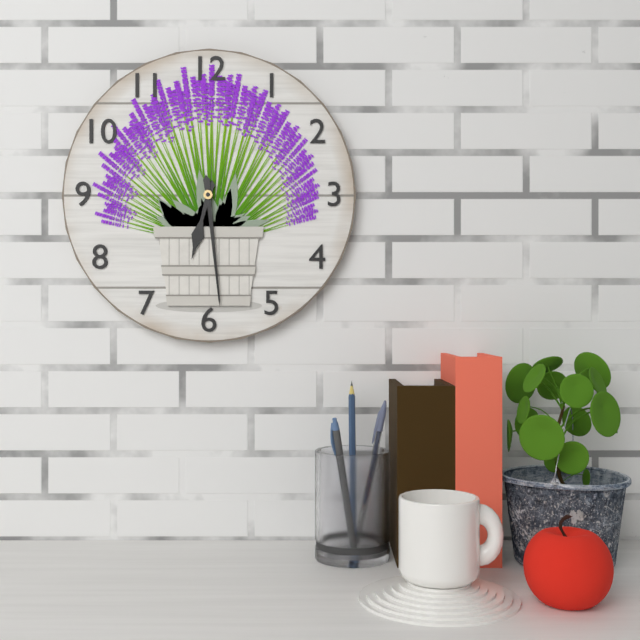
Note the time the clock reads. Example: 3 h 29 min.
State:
6 h 29 min
